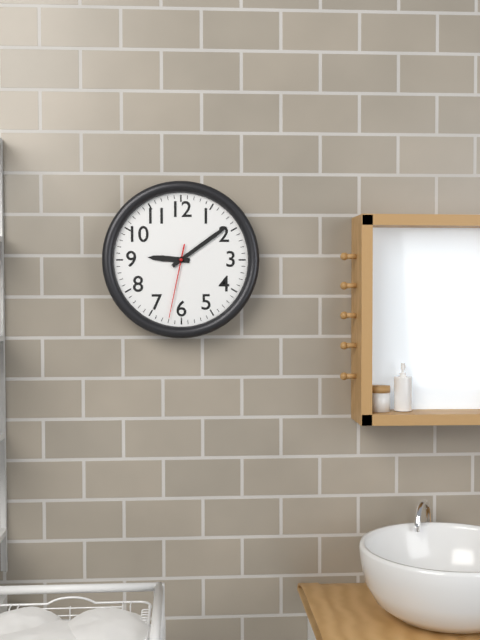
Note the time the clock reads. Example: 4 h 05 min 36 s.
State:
9 h 09 min 32 s
